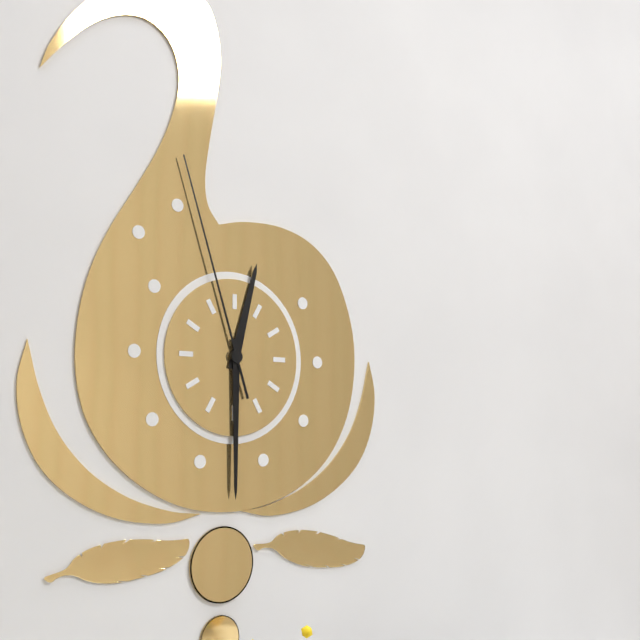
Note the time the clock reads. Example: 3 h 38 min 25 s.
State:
12 h 30 min 57 s
